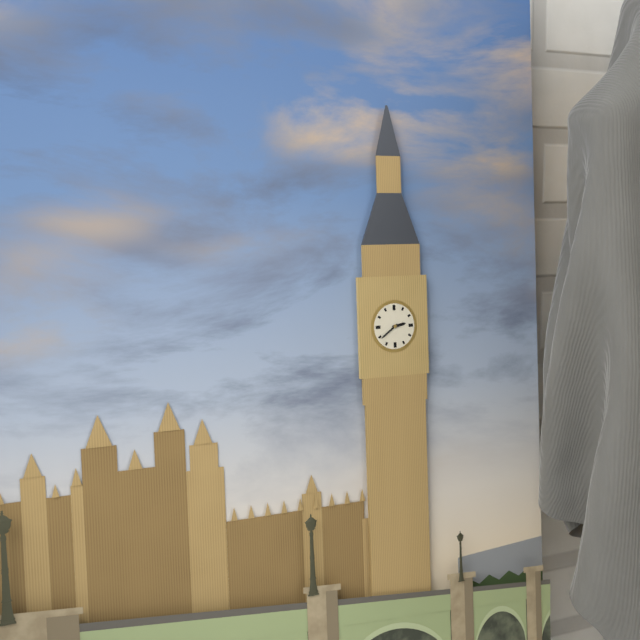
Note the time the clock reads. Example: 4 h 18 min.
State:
2 h 39 min
